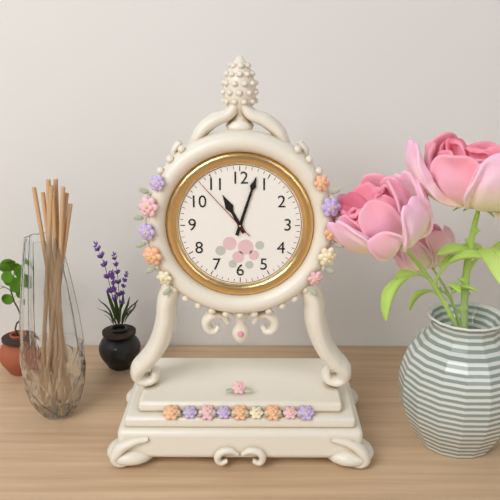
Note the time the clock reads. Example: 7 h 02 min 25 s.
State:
11 h 03 min 53 s
